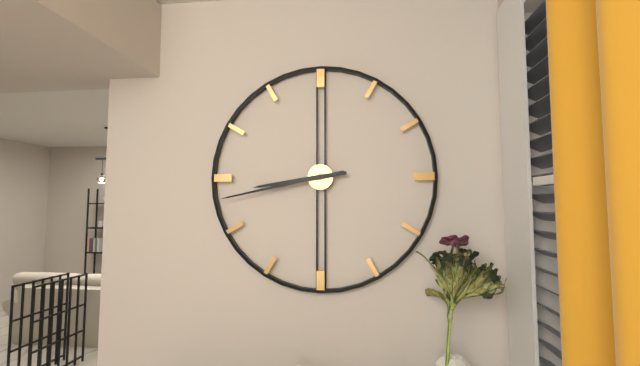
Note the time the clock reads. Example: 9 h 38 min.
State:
8 h 43 min
